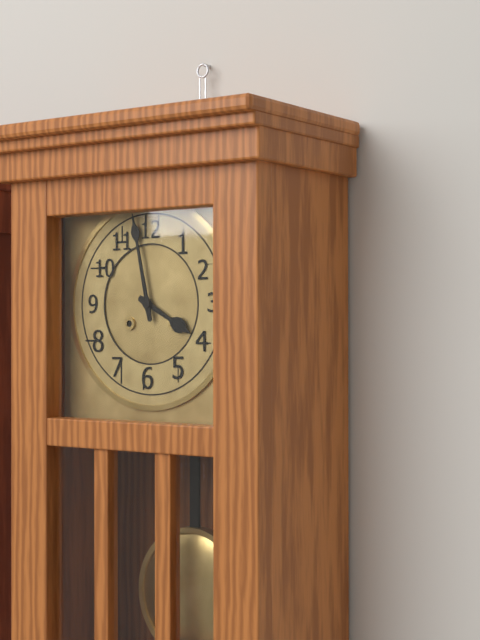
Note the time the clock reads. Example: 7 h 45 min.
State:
3 h 58 min
